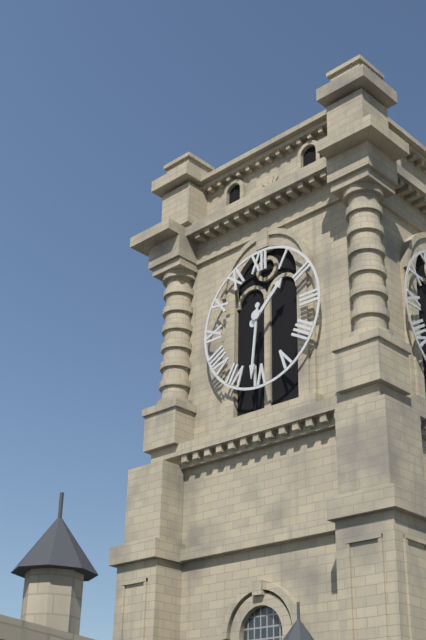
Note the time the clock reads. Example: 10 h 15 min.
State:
1 h 31 min
